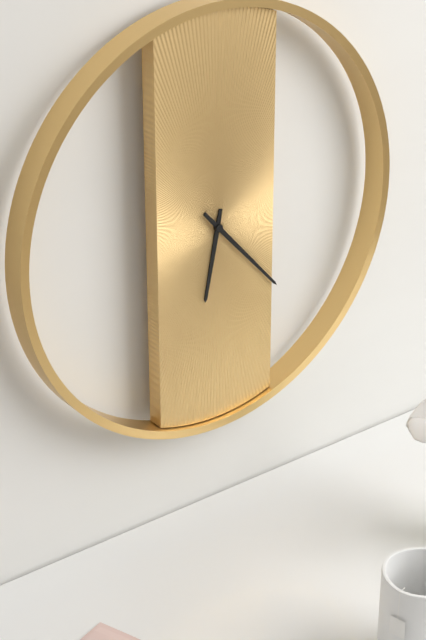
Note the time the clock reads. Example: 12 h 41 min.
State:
6 h 23 min
